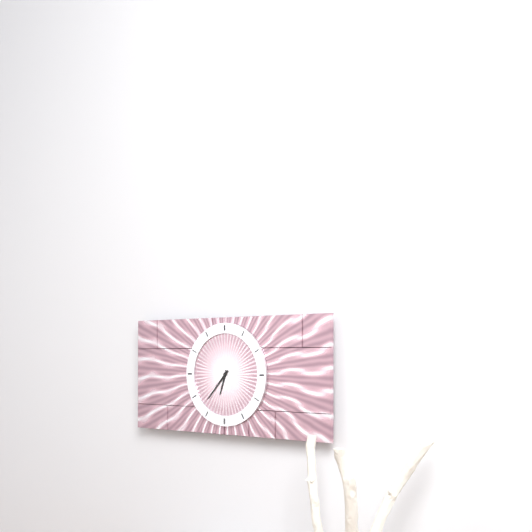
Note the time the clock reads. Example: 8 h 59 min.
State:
6 h 37 min
